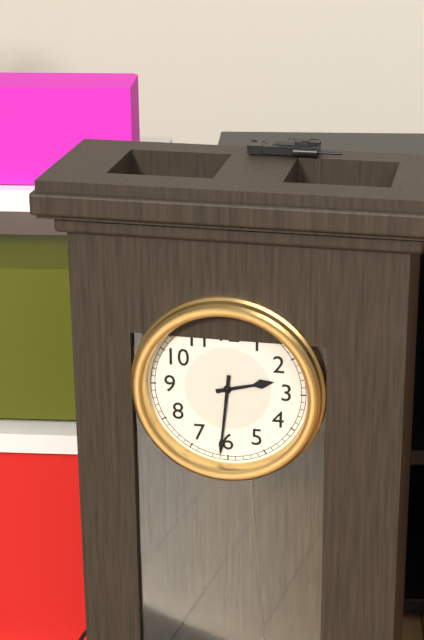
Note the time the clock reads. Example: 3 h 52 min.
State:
2 h 31 min
